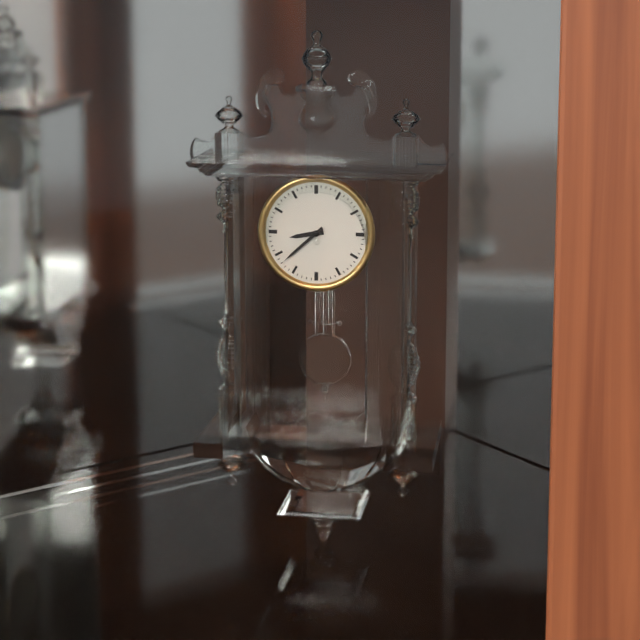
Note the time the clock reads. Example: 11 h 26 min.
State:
8 h 38 min
